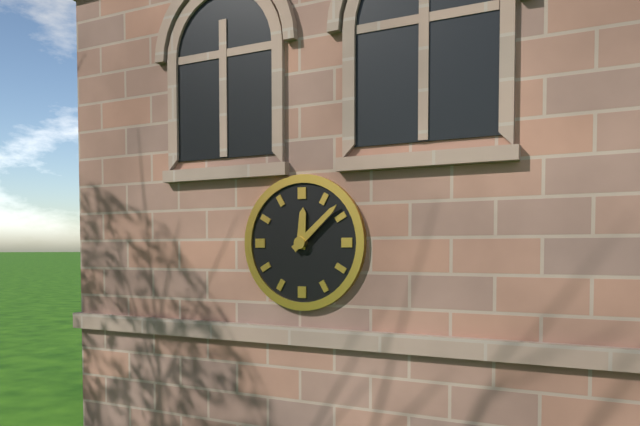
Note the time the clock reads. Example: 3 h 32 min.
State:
12 h 08 min
